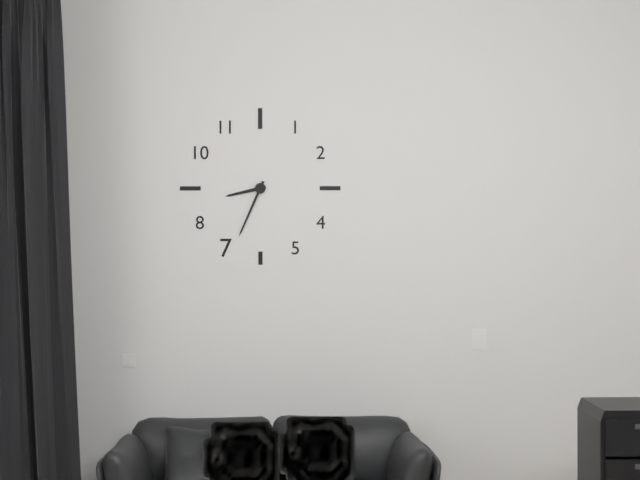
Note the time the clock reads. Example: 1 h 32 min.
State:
8 h 34 min
